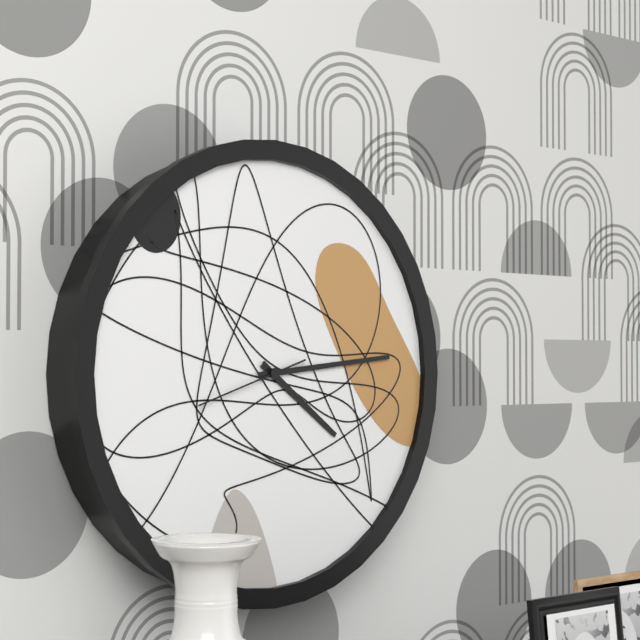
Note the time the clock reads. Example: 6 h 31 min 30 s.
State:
4 h 14 min 42 s
